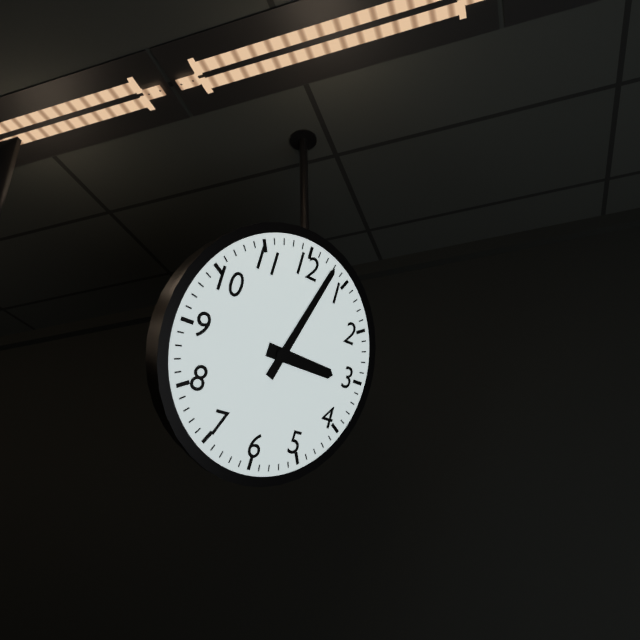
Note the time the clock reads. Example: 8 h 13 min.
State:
3 h 03 min
